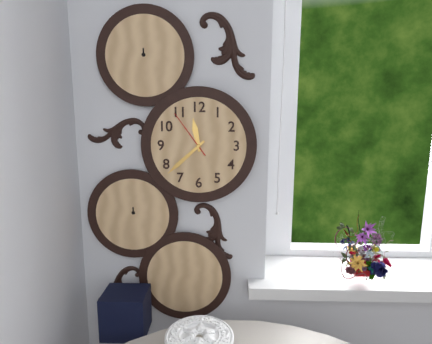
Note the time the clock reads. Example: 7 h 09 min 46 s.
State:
11 h 38 min 54 s
